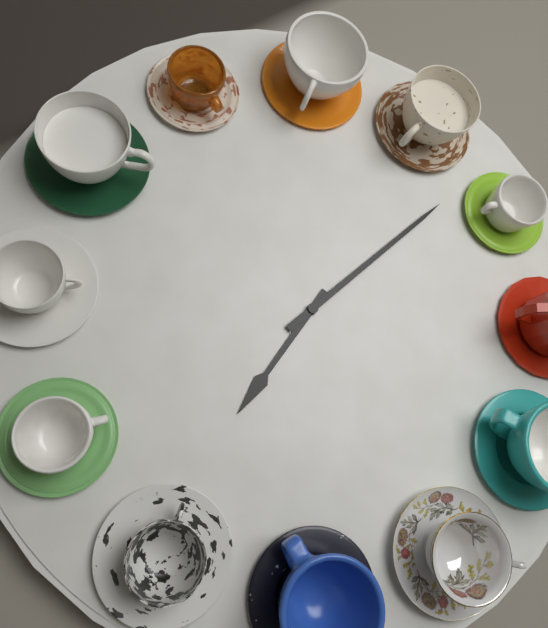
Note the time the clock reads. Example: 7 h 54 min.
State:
7 h 08 min
